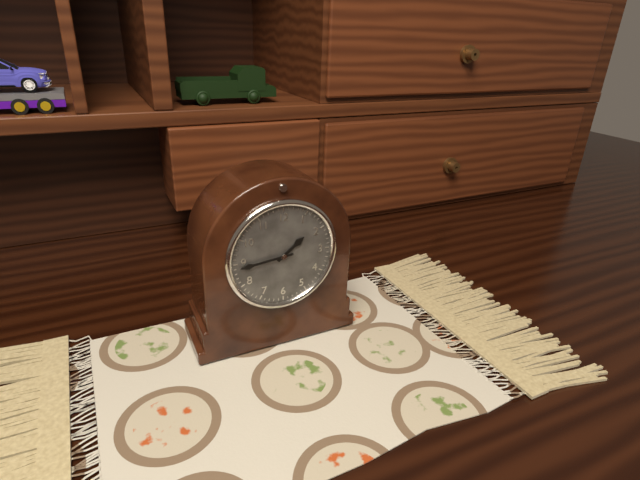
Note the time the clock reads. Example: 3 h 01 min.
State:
1 h 44 min
